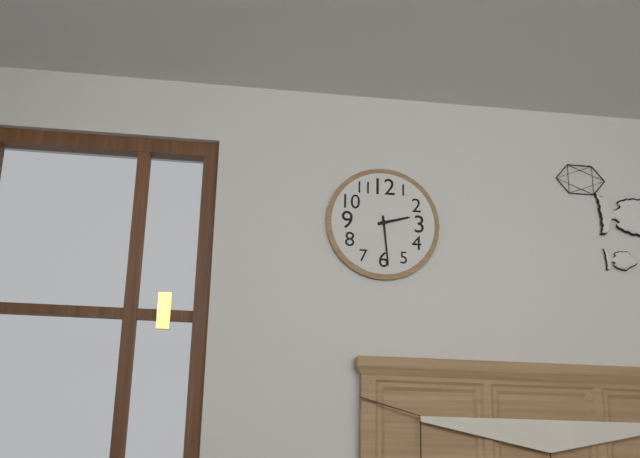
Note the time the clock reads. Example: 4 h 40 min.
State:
2 h 29 min
